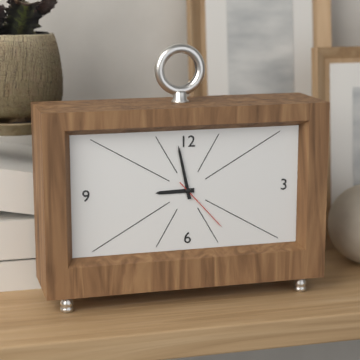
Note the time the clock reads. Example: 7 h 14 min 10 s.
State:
8 h 58 min 23 s
